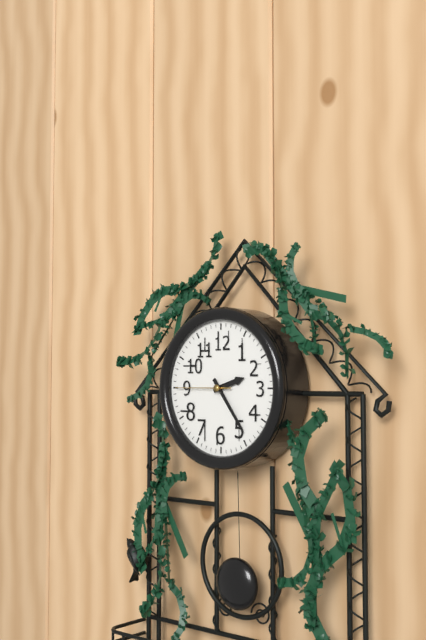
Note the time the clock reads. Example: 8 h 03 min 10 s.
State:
2 h 24 min 45 s
